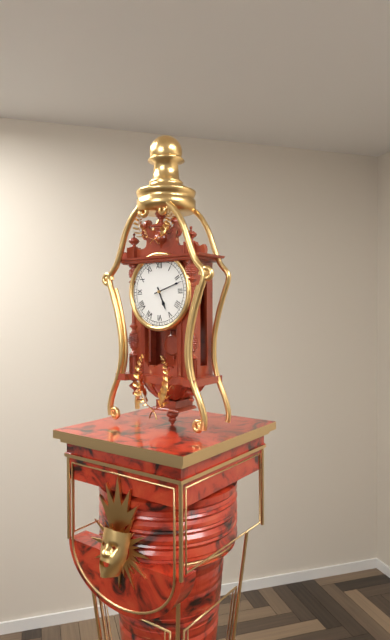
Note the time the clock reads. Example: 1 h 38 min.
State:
5 h 12 min
